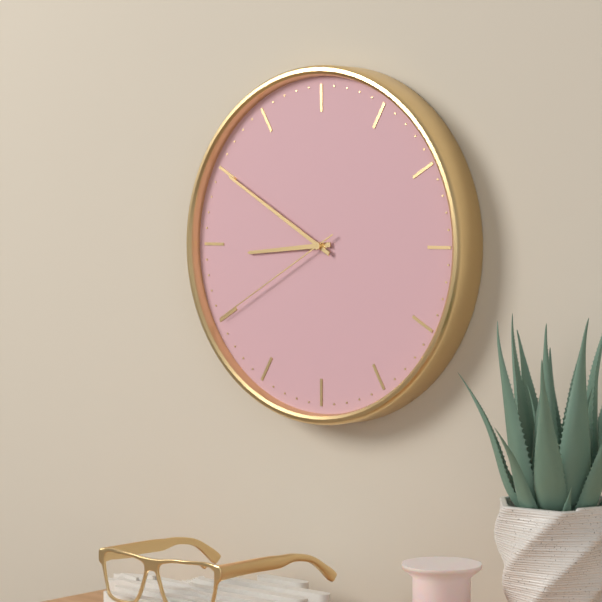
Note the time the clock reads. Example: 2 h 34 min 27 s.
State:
8 h 50 min 40 s
